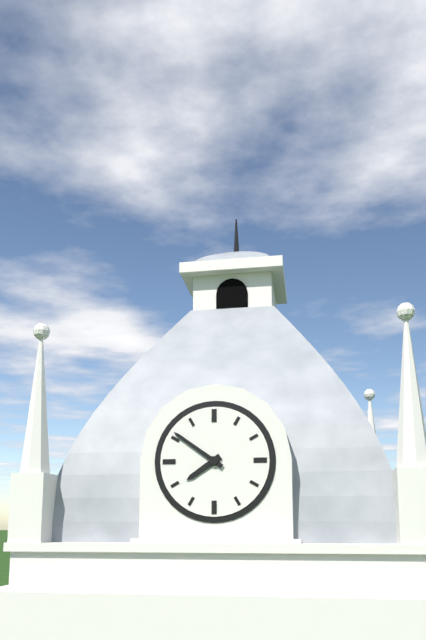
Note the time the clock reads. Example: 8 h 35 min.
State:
7 h 51 min
